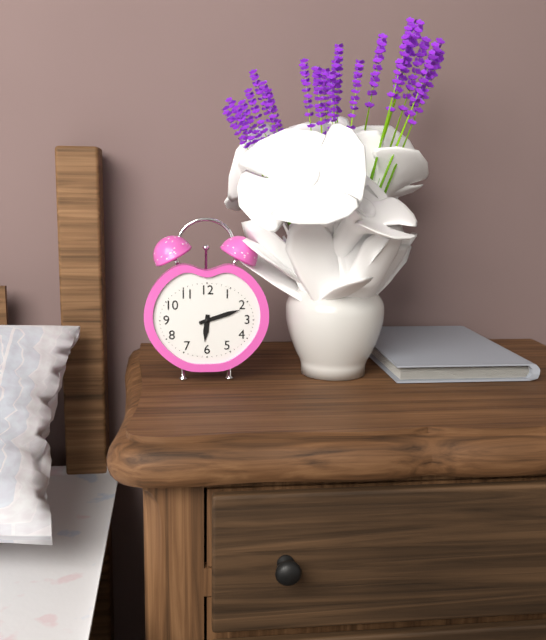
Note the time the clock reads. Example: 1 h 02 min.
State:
6 h 12 min
